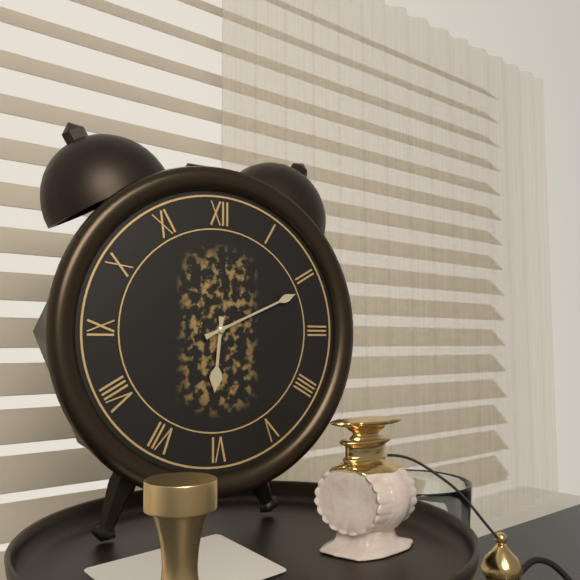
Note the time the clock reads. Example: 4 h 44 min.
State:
6 h 11 min
